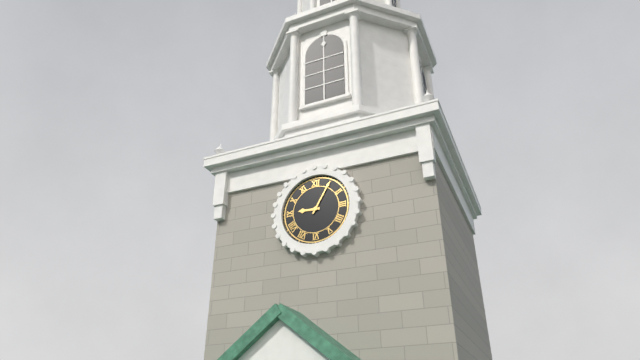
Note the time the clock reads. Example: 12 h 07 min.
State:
9 h 05 min
